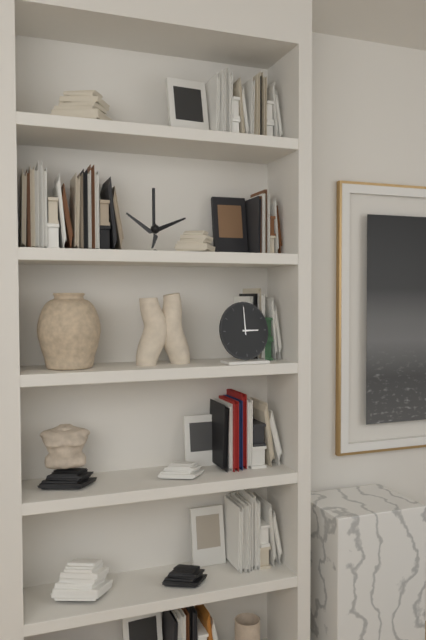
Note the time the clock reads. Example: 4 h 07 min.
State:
3 h 00 min
